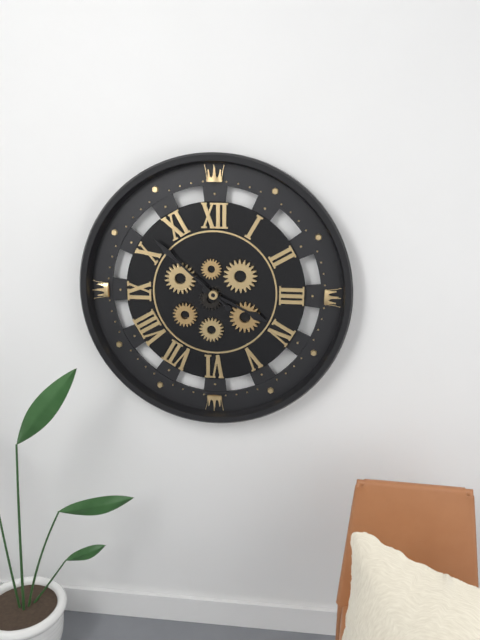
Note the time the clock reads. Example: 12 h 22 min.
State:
3 h 52 min
